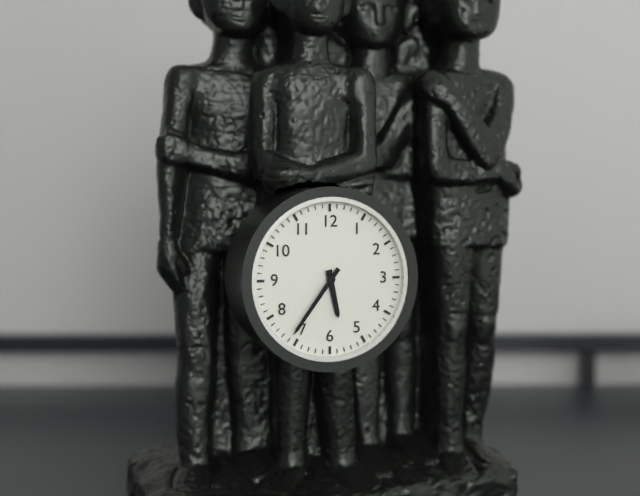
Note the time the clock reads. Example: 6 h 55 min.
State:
5 h 36 min
